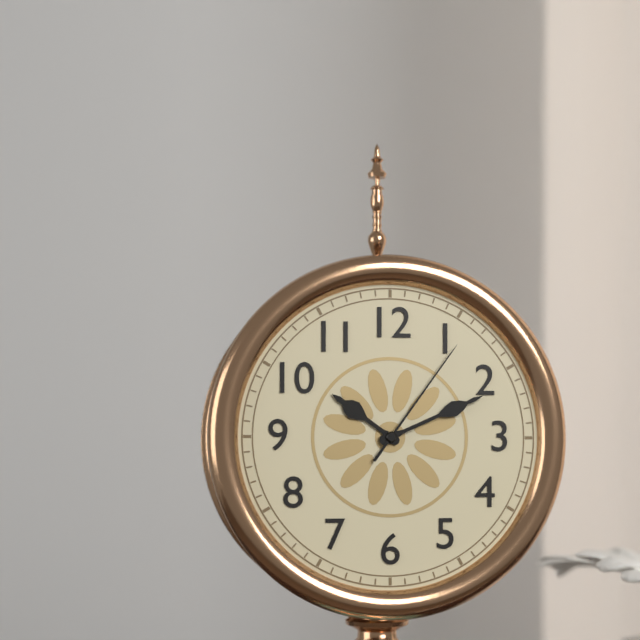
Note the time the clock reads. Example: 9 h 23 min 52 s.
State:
10 h 11 min 06 s
